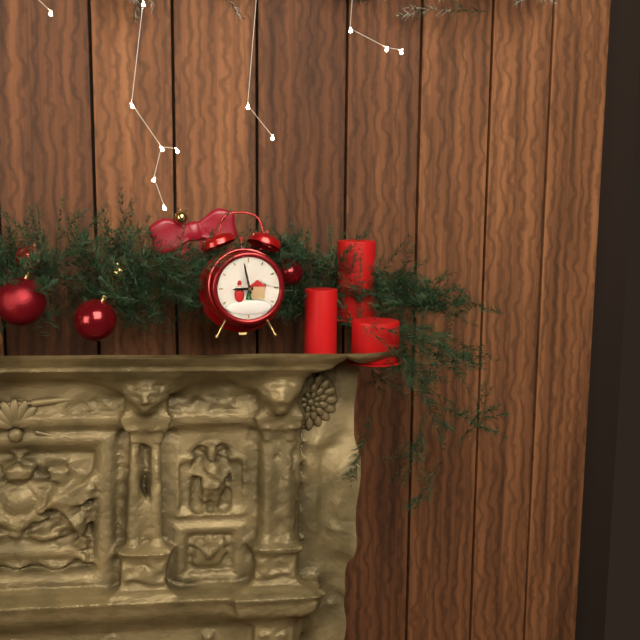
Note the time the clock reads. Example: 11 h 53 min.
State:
8 h 58 min
